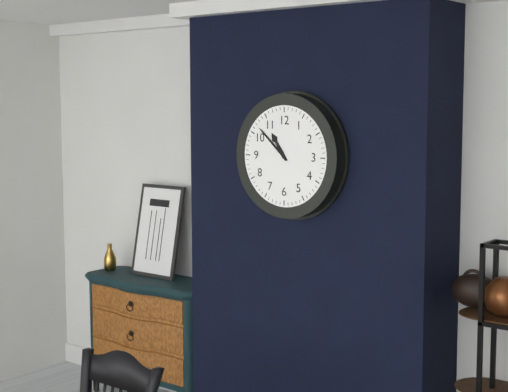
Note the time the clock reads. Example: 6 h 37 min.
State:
10 h 52 min
